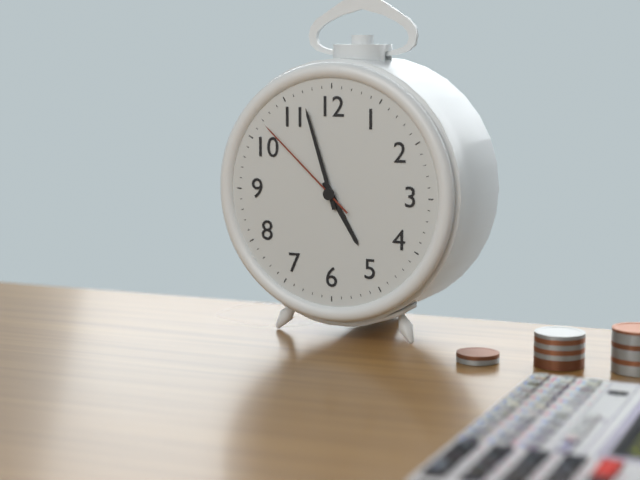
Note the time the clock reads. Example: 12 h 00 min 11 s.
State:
4 h 57 min 52 s
